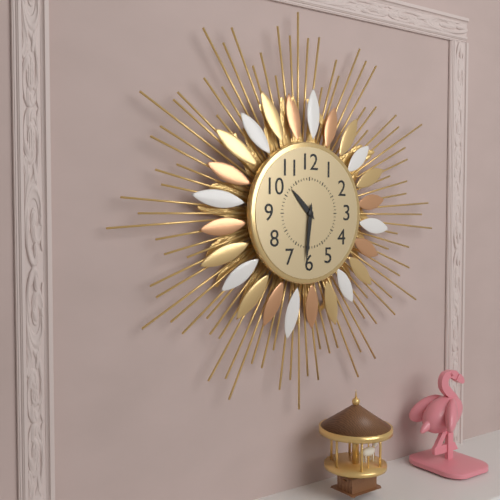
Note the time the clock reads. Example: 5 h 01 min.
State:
10 h 31 min
